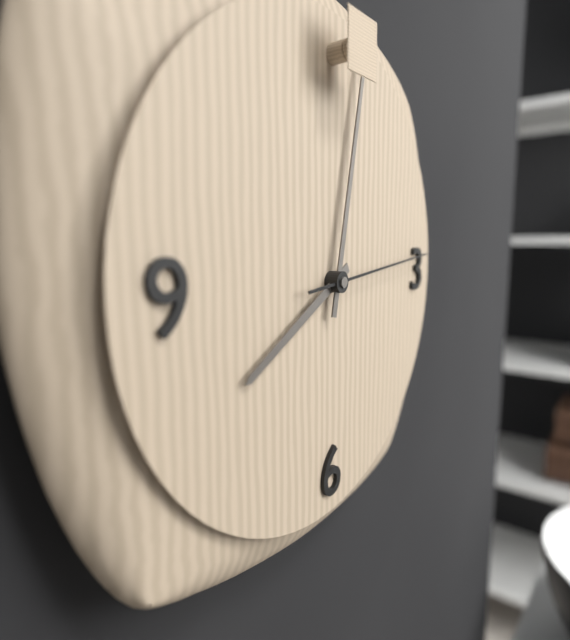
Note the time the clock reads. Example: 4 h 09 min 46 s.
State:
8 h 02 min 14 s
